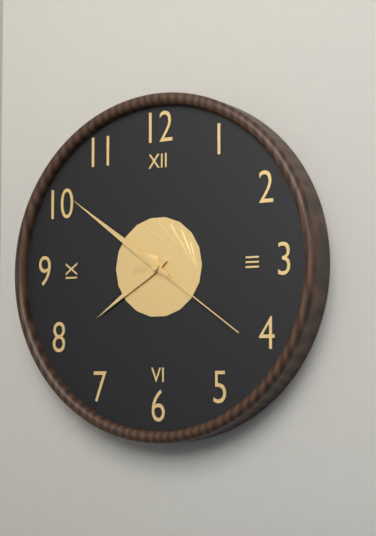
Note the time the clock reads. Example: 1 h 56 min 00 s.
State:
7 h 51 min 21 s
